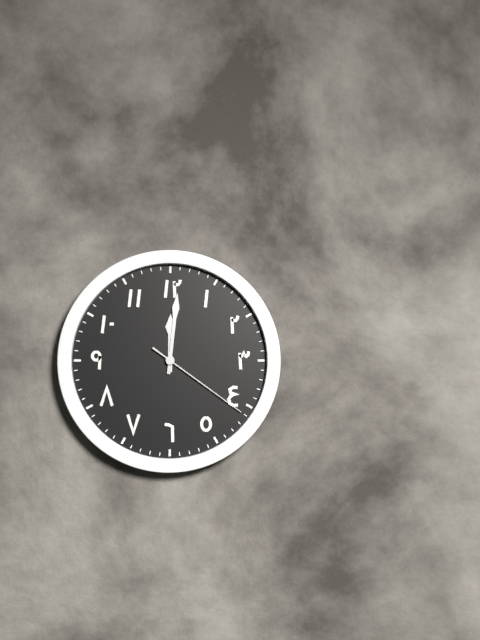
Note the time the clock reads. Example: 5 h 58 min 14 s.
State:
12 h 01 min 21 s
